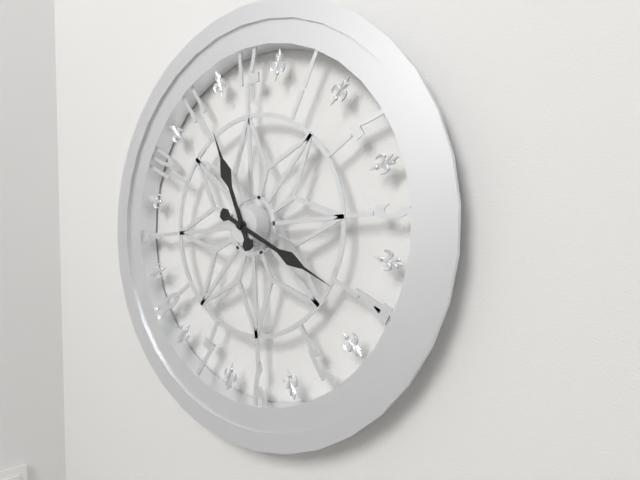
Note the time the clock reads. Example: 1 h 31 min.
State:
11 h 20 min
